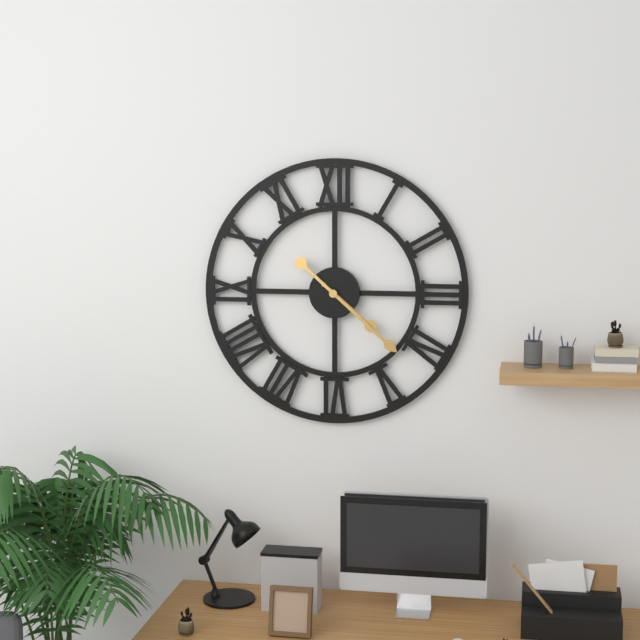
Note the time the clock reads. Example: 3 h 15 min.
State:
4 h 22 min
